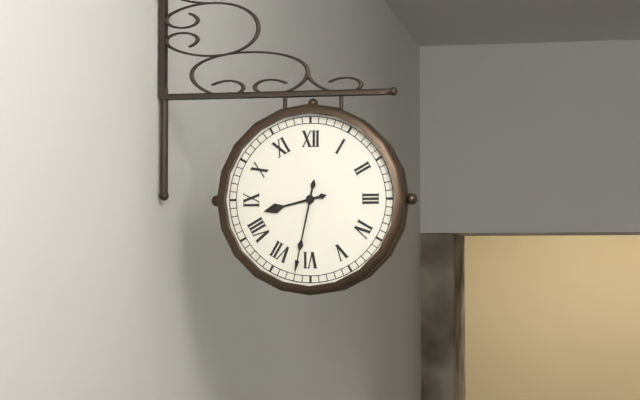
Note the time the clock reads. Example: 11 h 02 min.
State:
8 h 32 min
